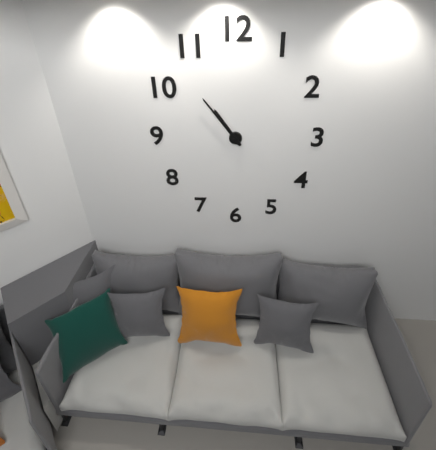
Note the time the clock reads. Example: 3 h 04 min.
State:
10 h 54 min
